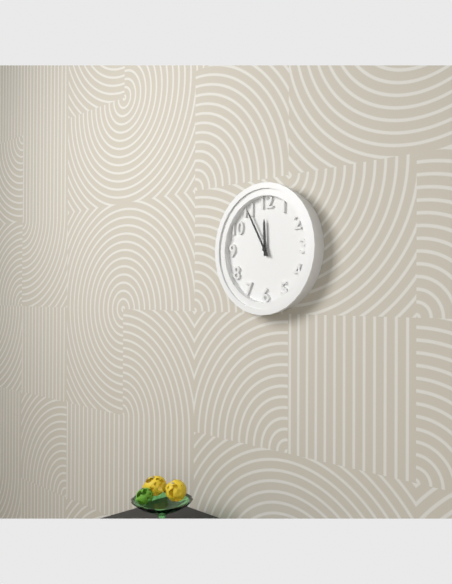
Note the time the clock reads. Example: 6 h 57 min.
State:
11 h 55 min
